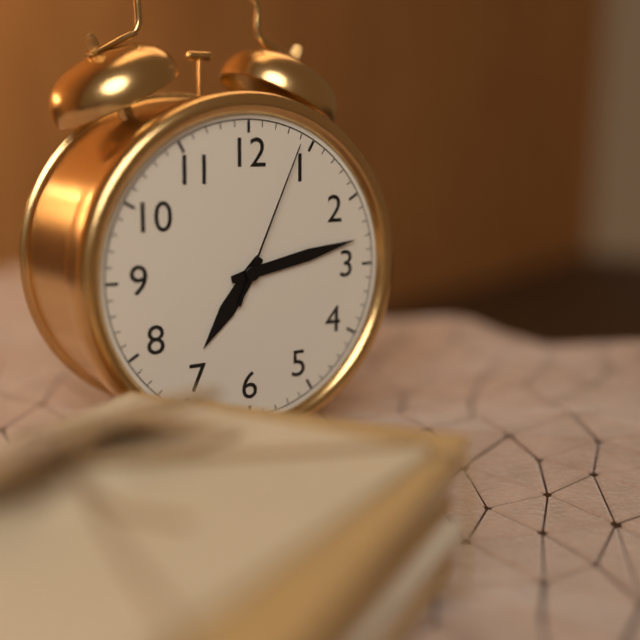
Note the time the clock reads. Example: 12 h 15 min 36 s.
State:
7 h 13 min 04 s
